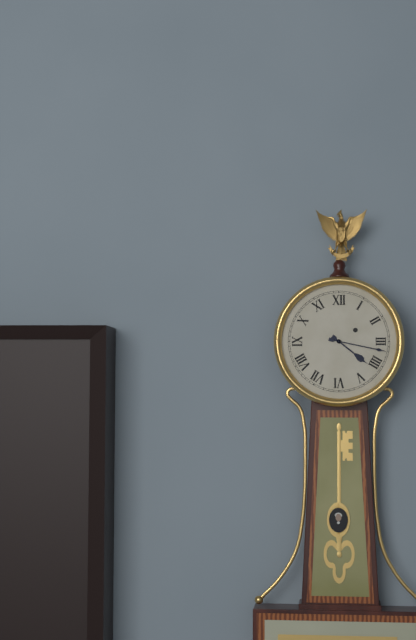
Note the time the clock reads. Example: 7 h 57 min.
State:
4 h 17 min
